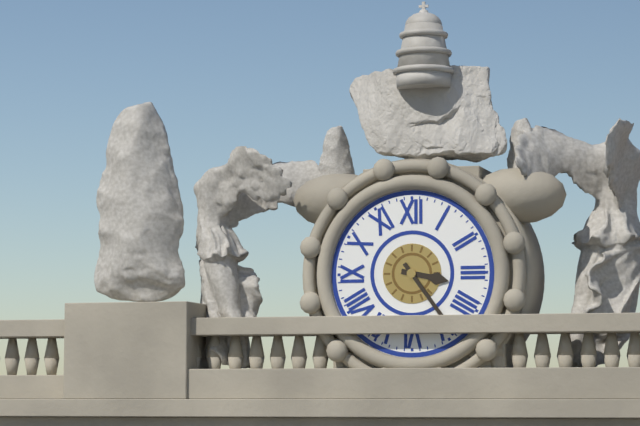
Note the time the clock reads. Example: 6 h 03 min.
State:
3 h 24 min
